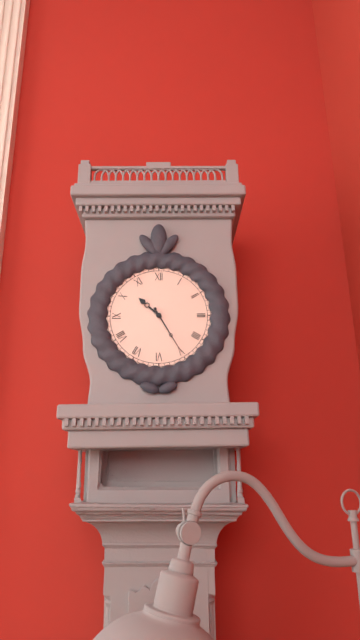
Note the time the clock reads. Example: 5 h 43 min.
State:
10 h 25 min
